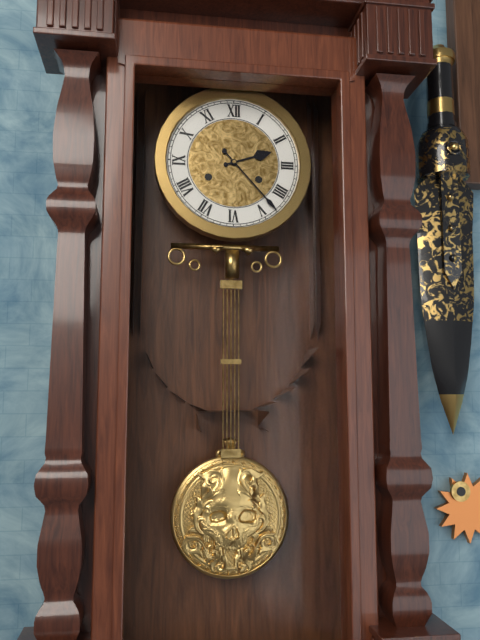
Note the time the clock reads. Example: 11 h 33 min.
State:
2 h 23 min
